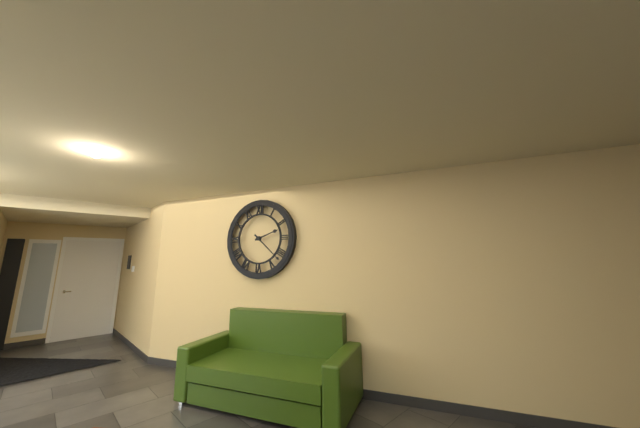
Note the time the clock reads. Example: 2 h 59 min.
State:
2 h 22 min
